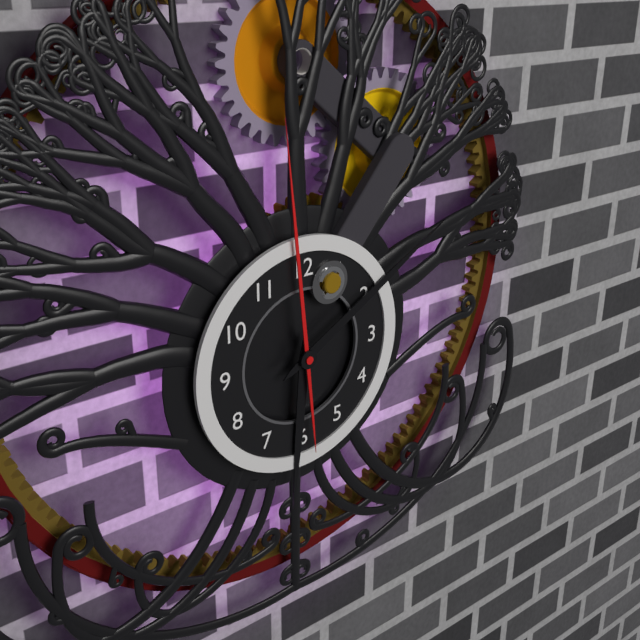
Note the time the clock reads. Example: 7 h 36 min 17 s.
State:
6 h 10 min 59 s
